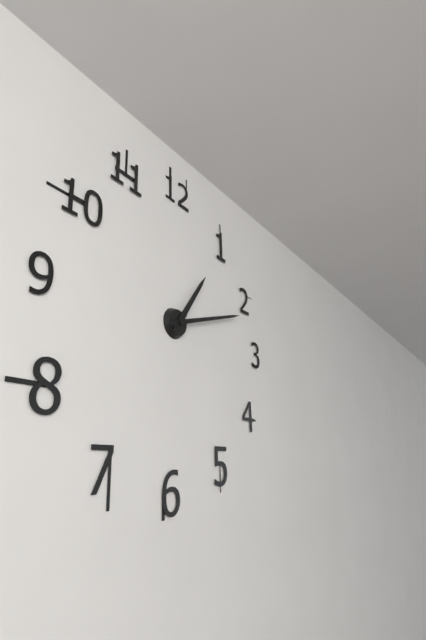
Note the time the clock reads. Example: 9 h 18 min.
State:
1 h 12 min
